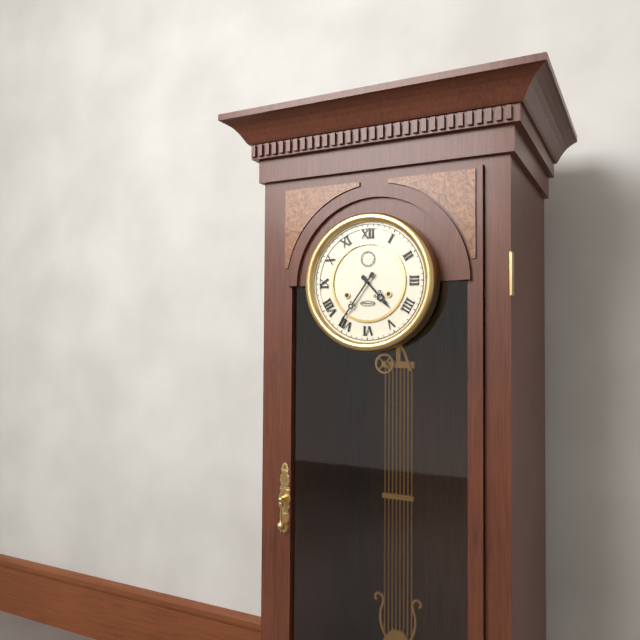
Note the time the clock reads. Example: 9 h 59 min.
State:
4 h 36 min
